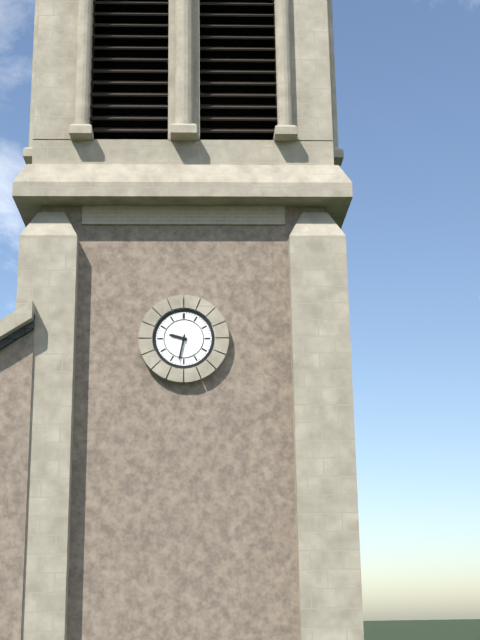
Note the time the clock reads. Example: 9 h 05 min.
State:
9 h 32 min
